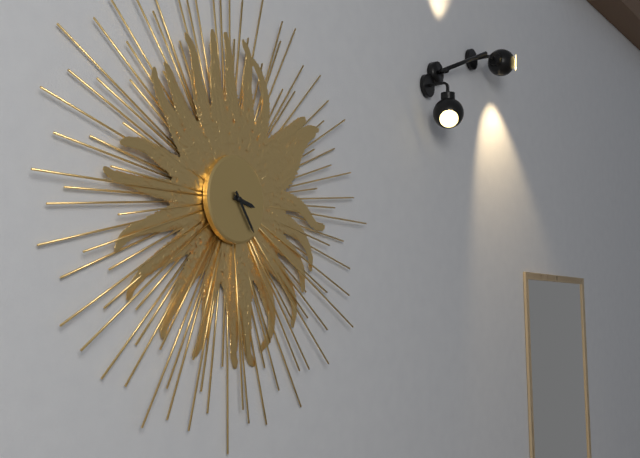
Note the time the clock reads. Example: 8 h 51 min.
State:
3 h 24 min
